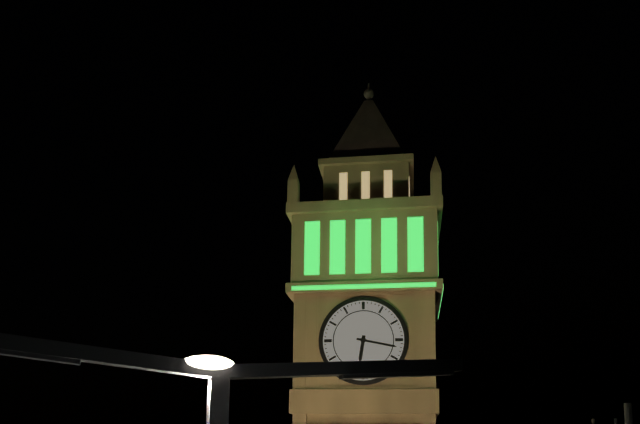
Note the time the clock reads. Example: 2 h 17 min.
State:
6 h 17 min
